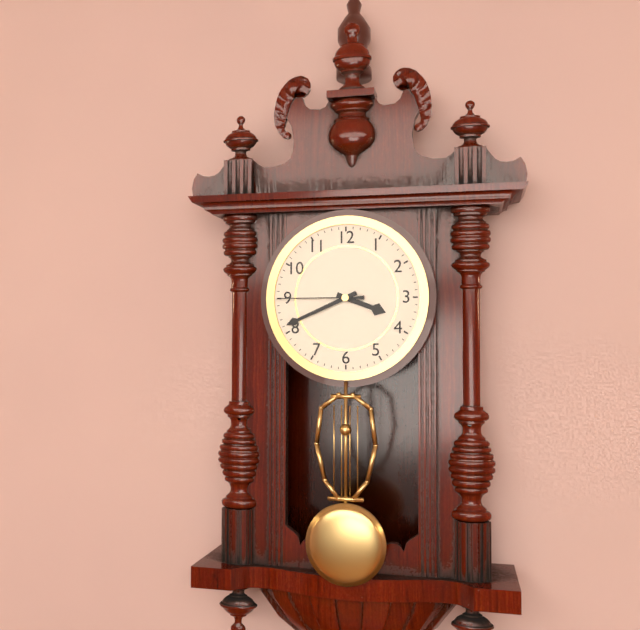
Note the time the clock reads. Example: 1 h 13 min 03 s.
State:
3 h 41 min 45 s
